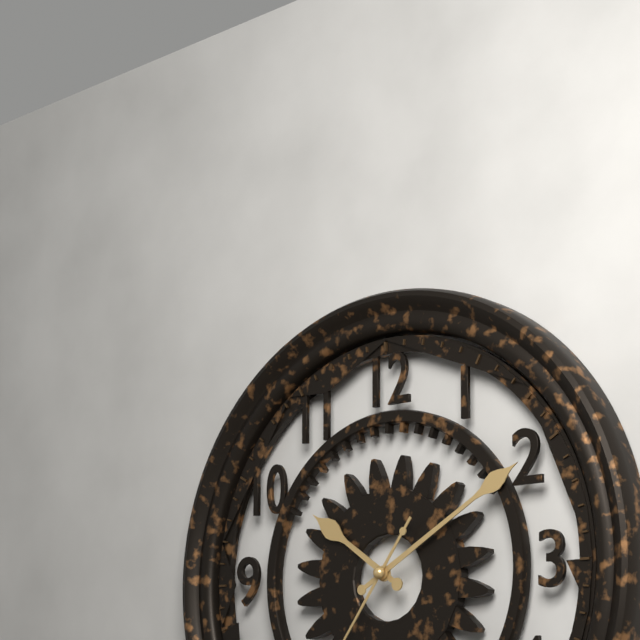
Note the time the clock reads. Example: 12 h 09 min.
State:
10 h 10 min
